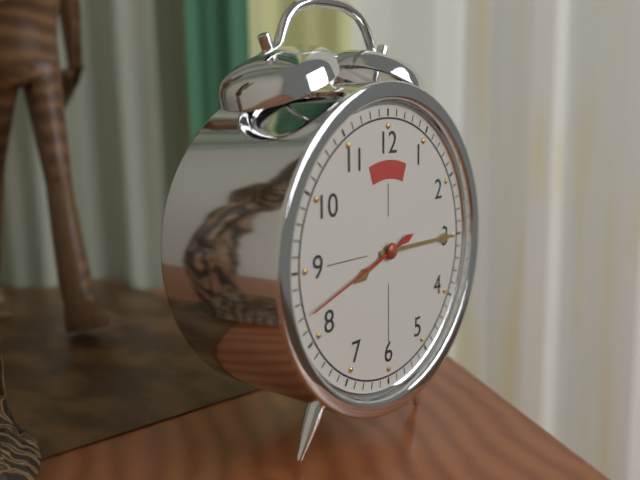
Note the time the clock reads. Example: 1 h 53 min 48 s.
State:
8 h 15 min 42 s
